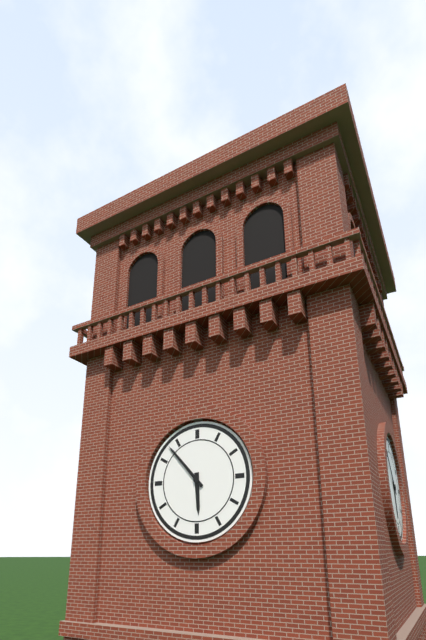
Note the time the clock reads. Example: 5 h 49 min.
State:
5 h 53 min
